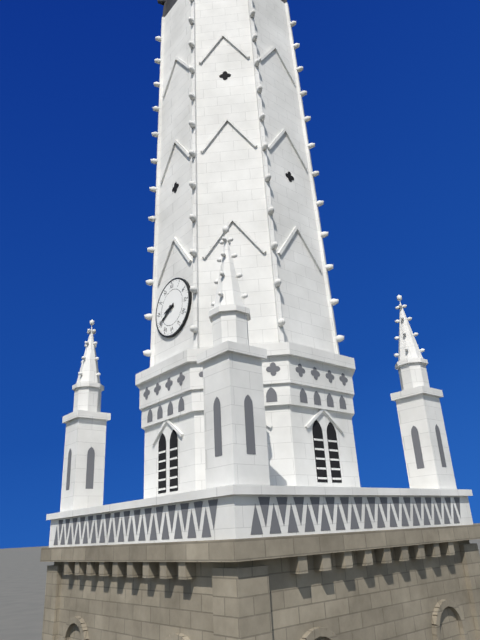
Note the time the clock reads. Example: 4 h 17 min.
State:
8 h 40 min
